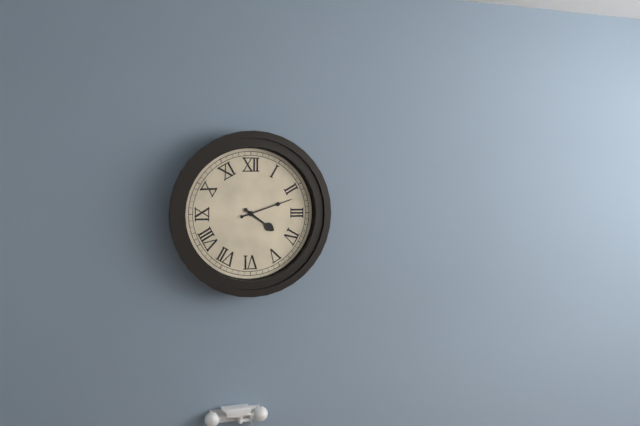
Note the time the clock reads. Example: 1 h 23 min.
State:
4 h 12 min
